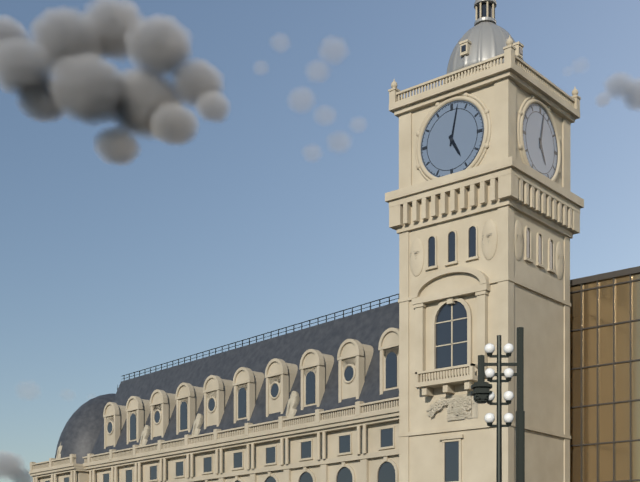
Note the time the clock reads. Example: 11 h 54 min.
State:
5 h 02 min
